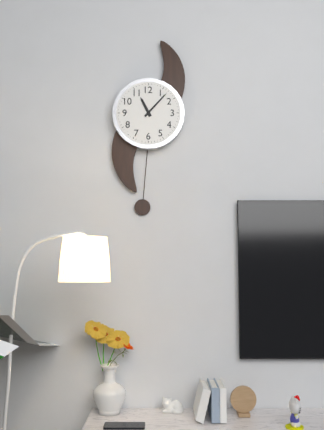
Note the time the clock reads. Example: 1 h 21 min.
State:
11 h 07 min
